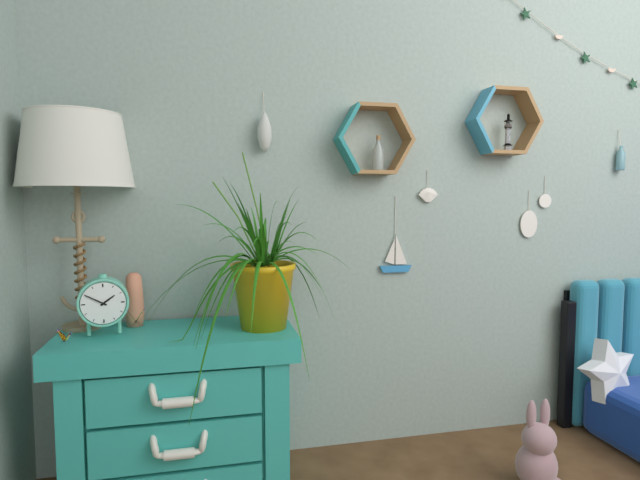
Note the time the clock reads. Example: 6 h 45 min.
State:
1 h 50 min
